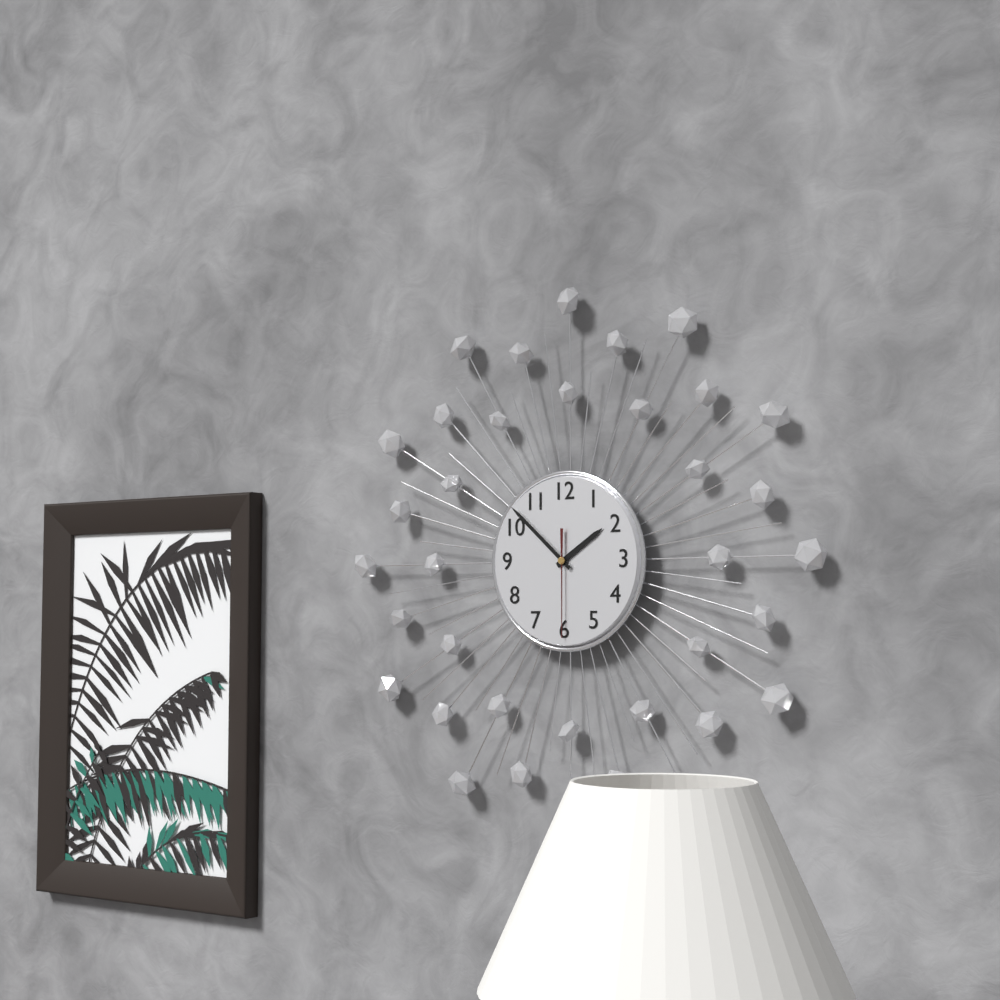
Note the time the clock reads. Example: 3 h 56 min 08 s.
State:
1 h 52 min 30 s
